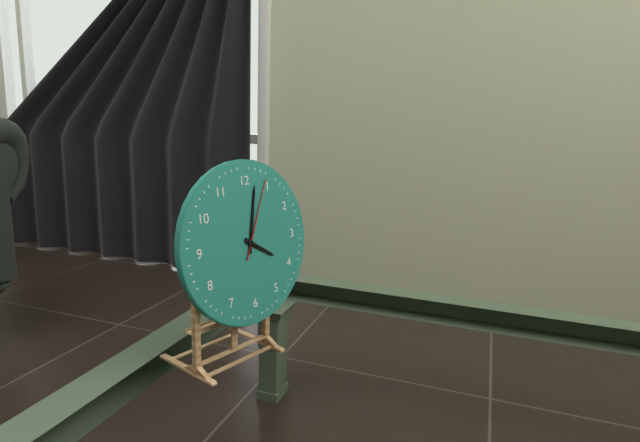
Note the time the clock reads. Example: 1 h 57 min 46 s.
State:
4 h 02 min 04 s
